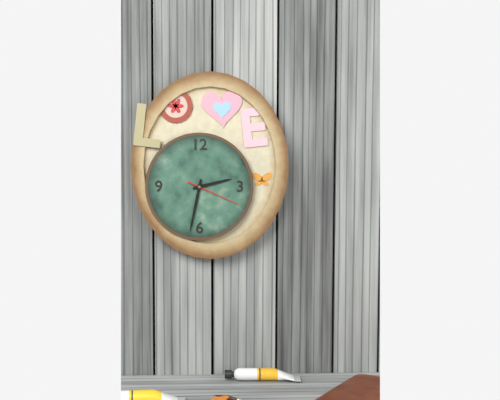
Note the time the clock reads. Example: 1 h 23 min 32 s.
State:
2 h 32 min 19 s
